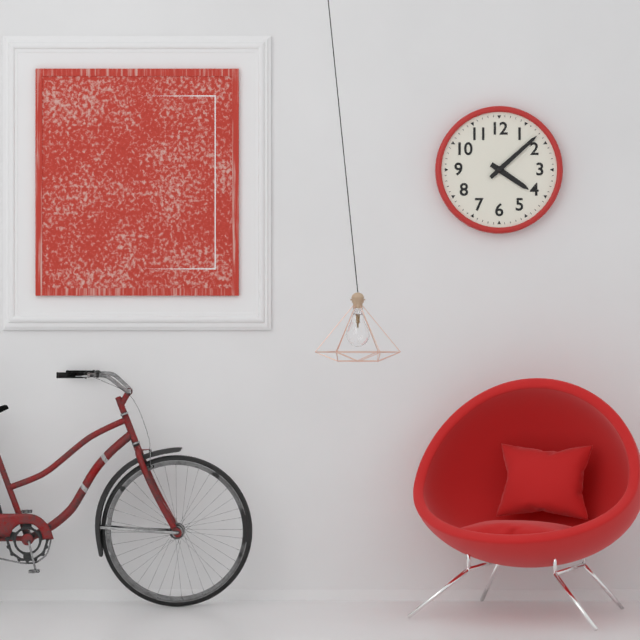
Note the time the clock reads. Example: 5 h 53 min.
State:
4 h 08 min
